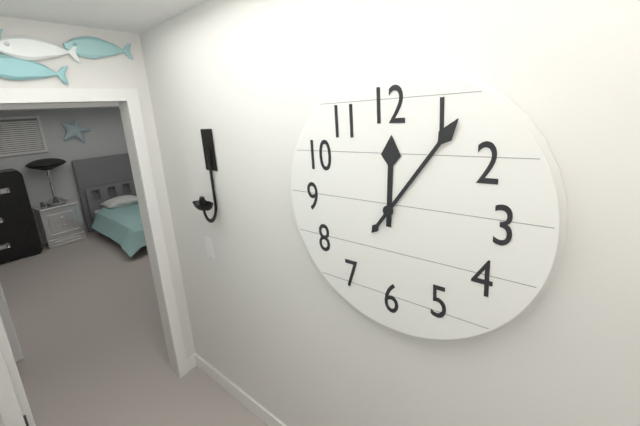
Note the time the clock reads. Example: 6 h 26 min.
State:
12 h 06 min
